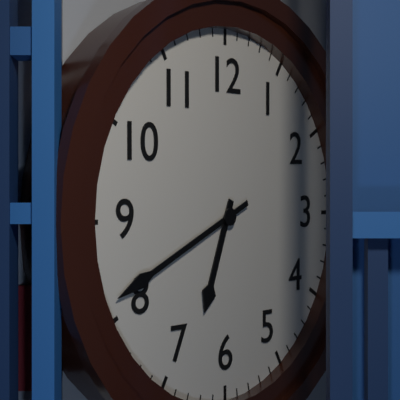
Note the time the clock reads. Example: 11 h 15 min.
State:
6 h 41 min
